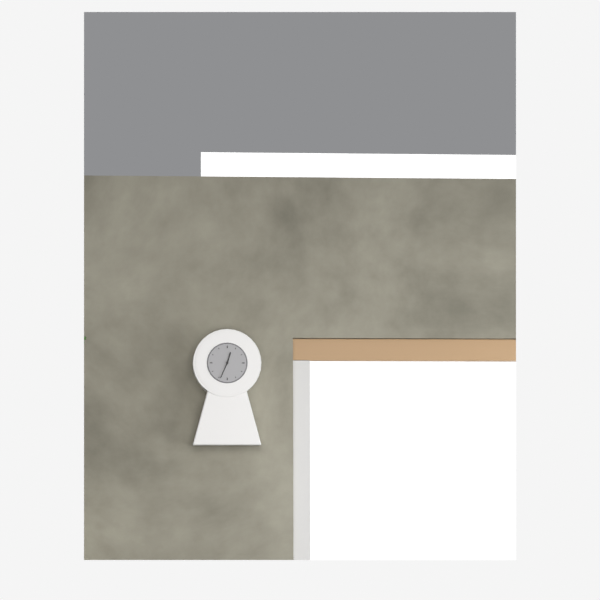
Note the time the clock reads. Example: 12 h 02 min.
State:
12 h 34 min
